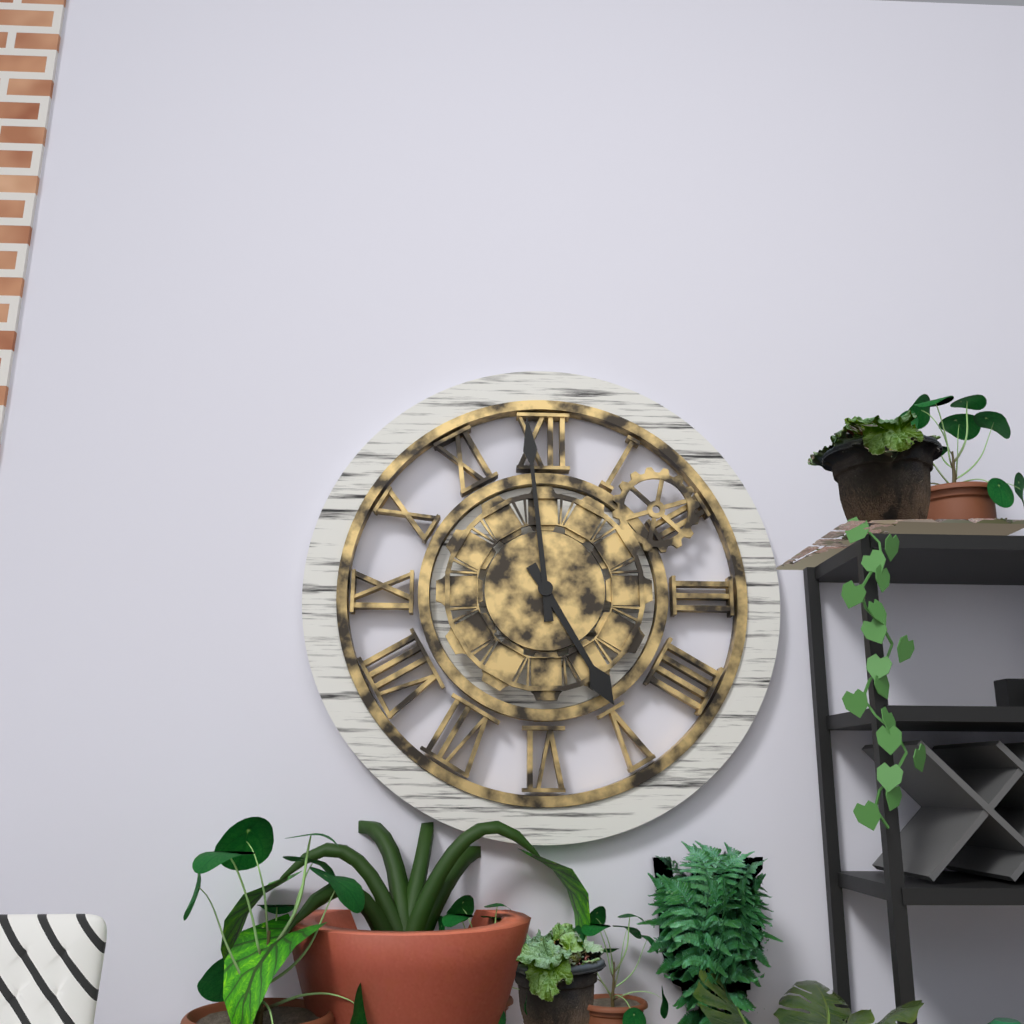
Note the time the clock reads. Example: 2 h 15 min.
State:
4 h 59 min
